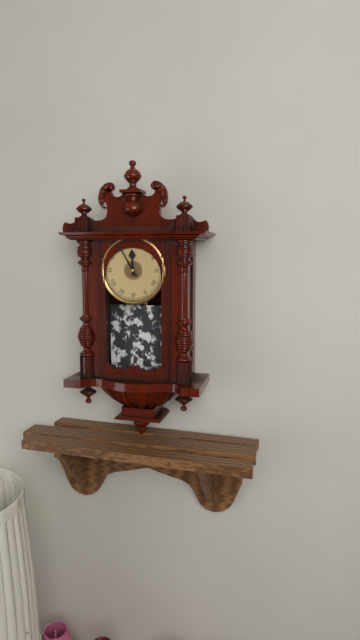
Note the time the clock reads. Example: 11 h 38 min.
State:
11 h 55 min
